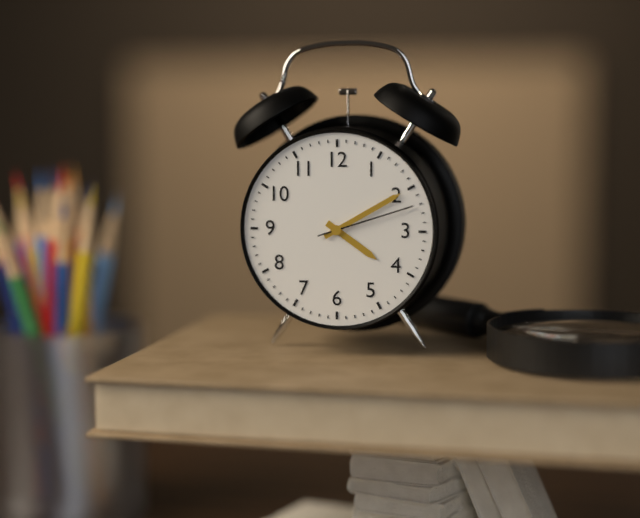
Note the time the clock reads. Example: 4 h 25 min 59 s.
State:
4 h 10 min 12 s
